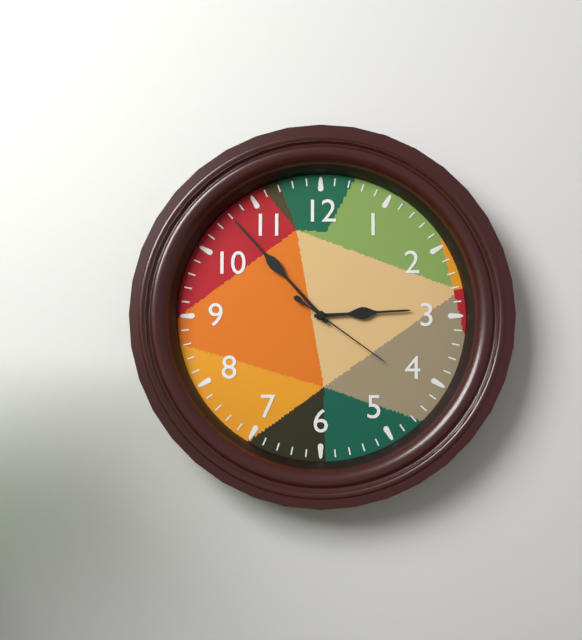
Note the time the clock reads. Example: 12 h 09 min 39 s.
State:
2 h 53 min 21 s
